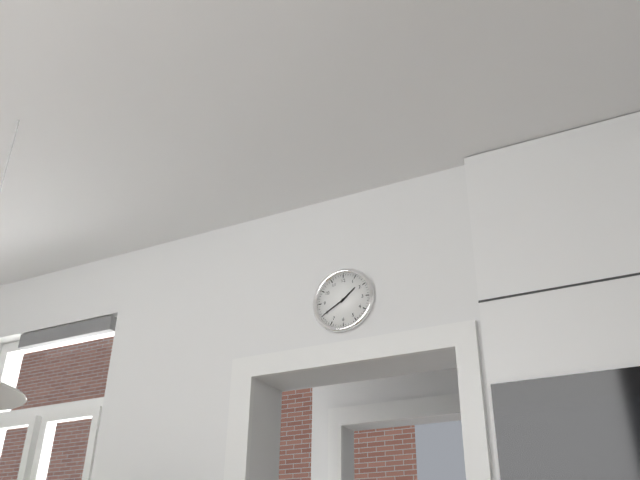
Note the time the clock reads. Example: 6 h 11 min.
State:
1 h 40 min
